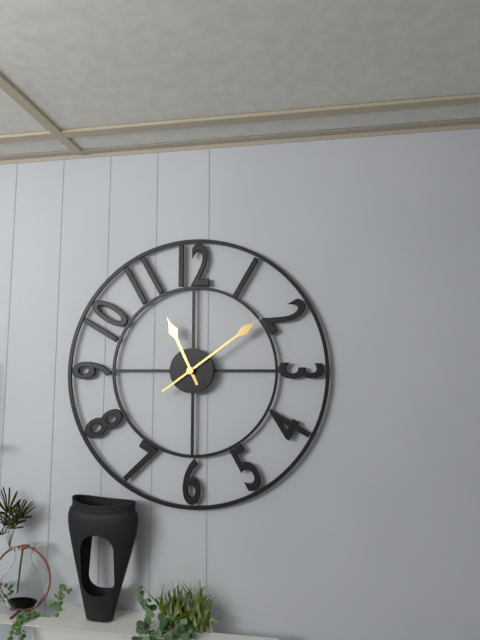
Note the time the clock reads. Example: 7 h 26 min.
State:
11 h 09 min
